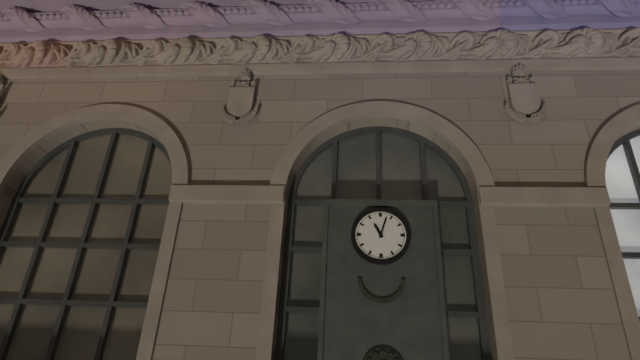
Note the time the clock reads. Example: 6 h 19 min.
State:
11 h 03 min
